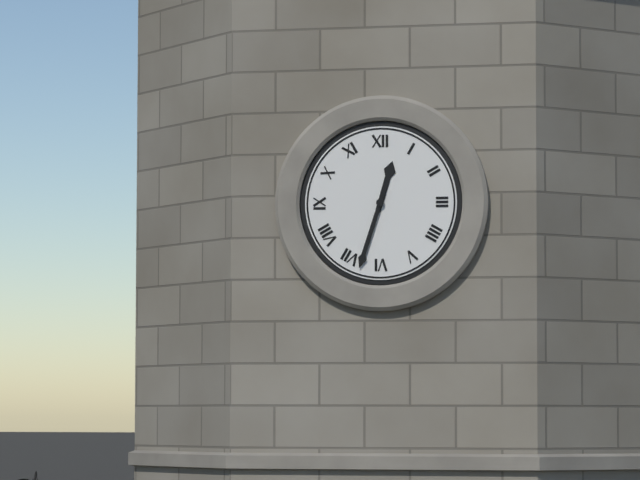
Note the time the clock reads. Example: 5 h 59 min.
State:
12 h 33 min
